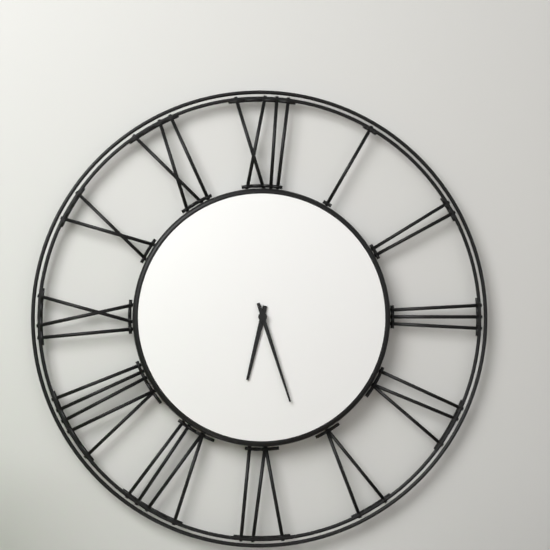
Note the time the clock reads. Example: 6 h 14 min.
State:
6 h 27 min
